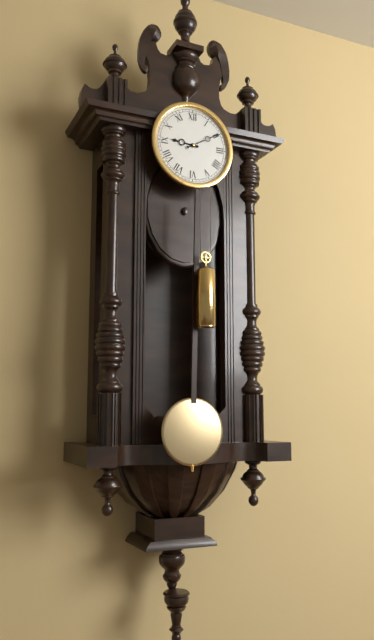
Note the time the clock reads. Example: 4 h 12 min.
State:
9 h 10 min
